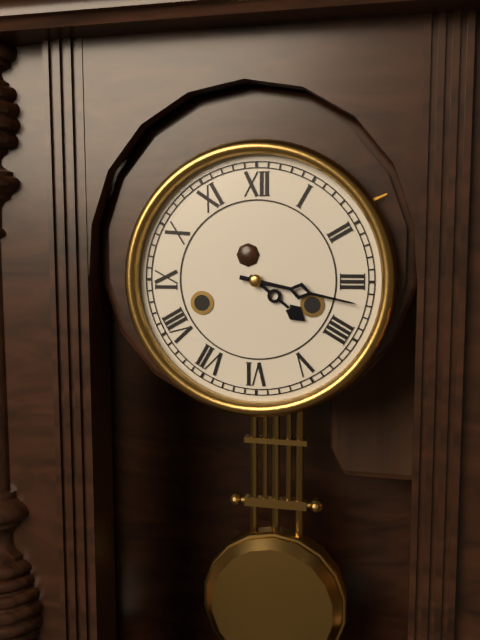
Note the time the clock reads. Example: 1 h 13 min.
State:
4 h 17 min
